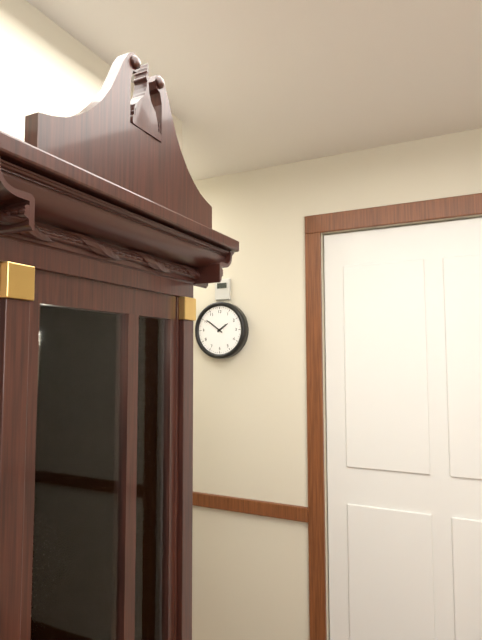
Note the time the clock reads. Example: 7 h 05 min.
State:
1 h 51 min
